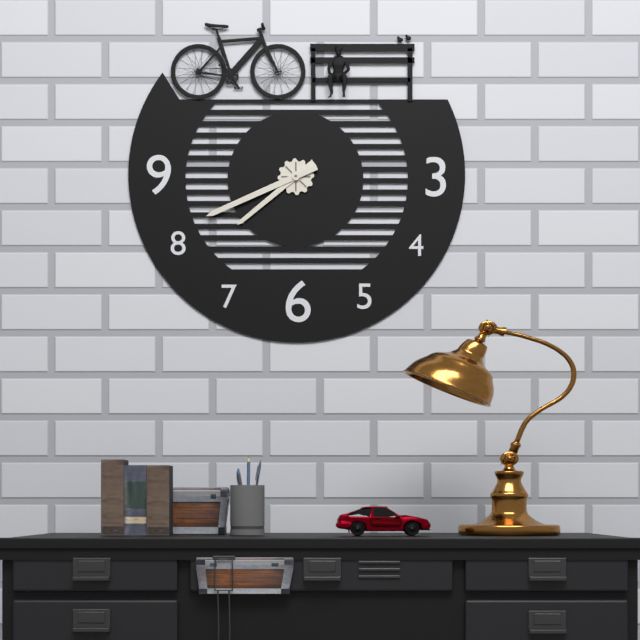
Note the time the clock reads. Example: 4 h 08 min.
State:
7 h 41 min
